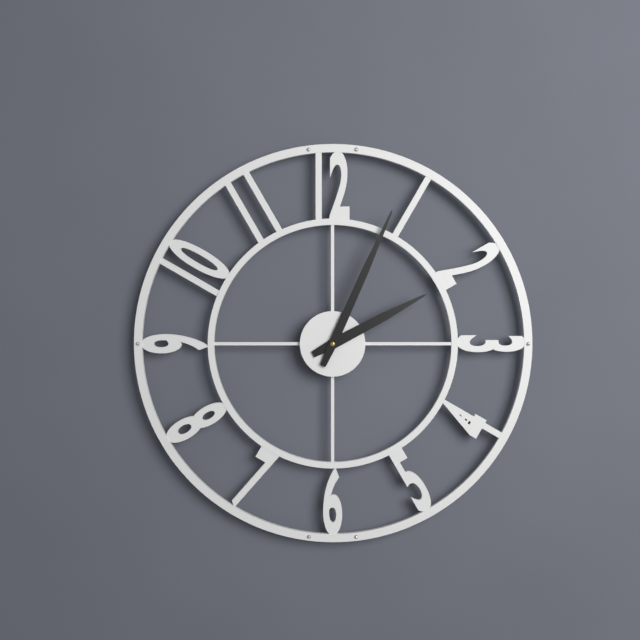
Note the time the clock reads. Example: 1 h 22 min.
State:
2 h 04 min
